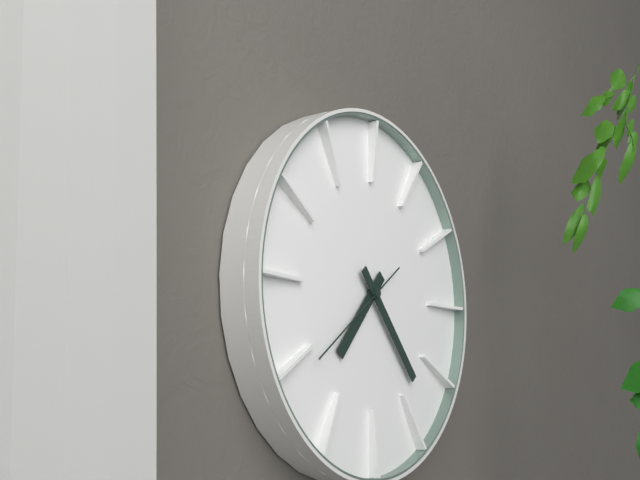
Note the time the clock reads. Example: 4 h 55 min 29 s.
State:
7 h 23 min 39 s
